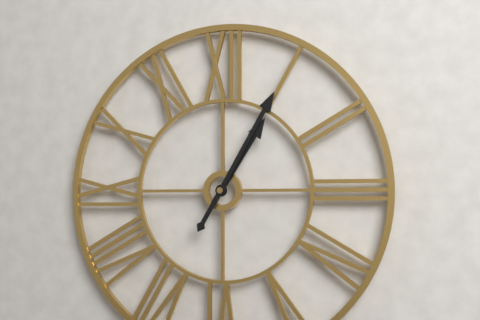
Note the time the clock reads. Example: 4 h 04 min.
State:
1 h 05 min
